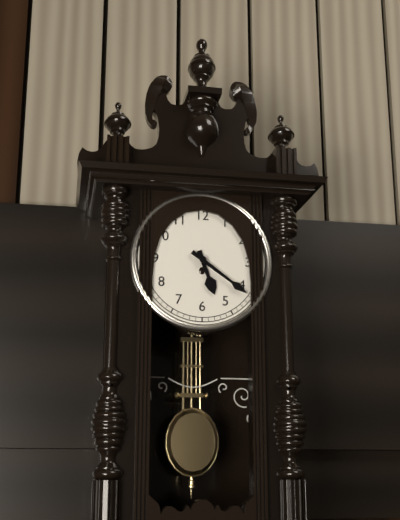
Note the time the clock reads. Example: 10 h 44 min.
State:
5 h 21 min
